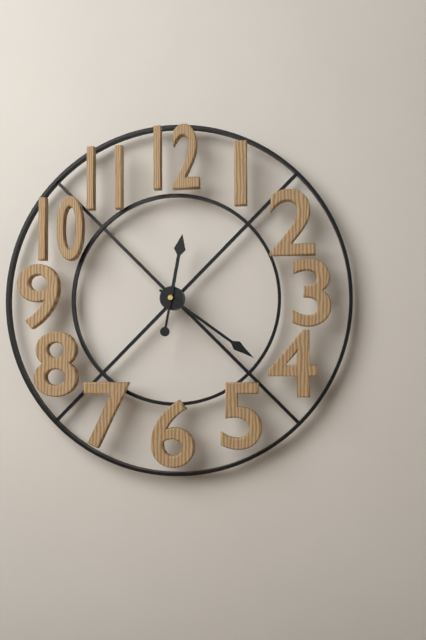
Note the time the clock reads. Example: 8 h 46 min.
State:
12 h 21 min
